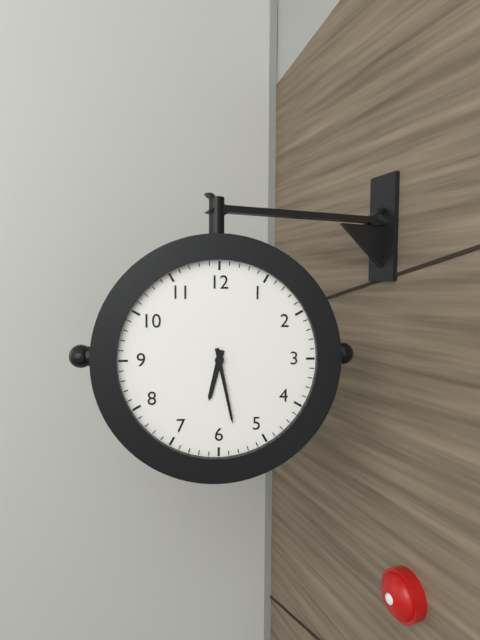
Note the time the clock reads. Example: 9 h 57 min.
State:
6 h 28 min
